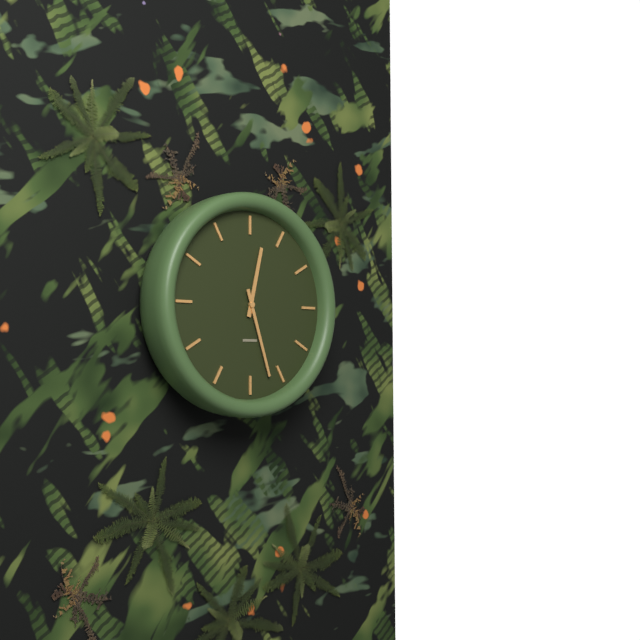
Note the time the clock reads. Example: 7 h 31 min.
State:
12 h 27 min
